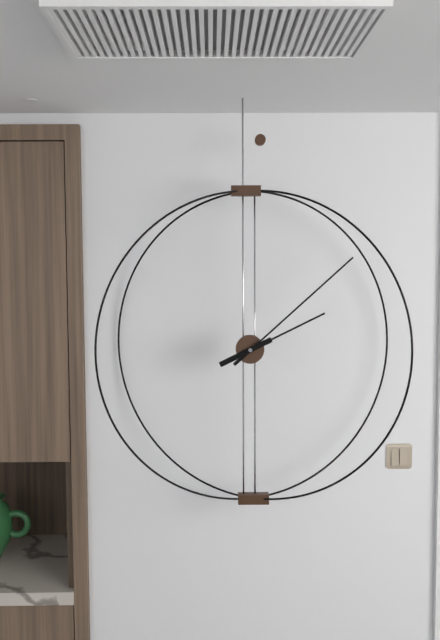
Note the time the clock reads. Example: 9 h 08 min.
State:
2 h 08 min
